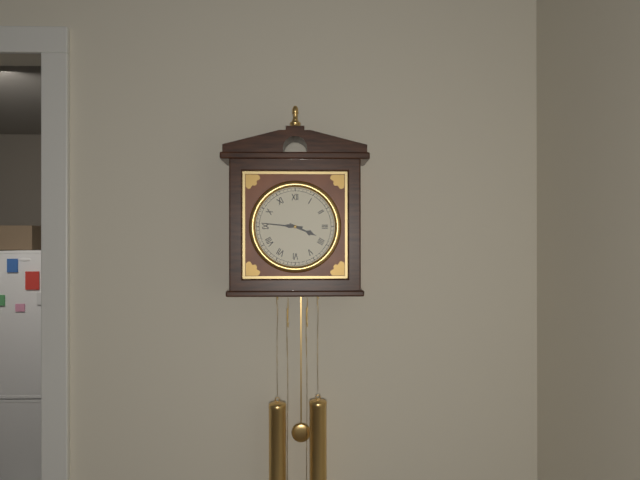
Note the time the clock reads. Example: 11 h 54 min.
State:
3 h 46 min
